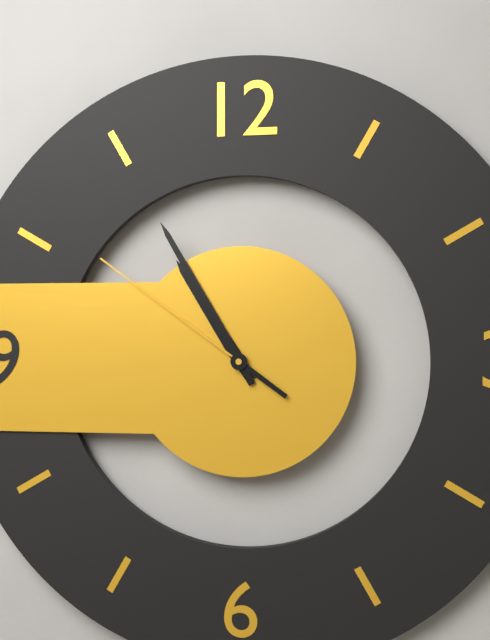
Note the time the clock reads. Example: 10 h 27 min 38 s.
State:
10 h 55 min 51 s
